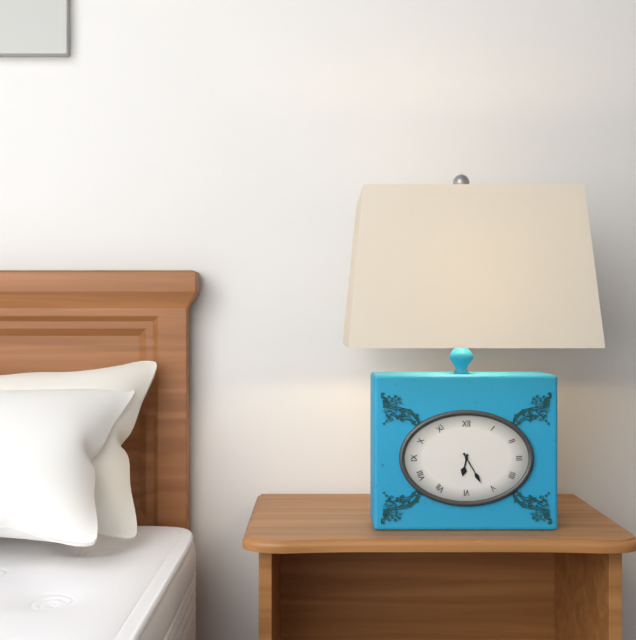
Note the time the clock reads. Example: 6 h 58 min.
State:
6 h 25 min
